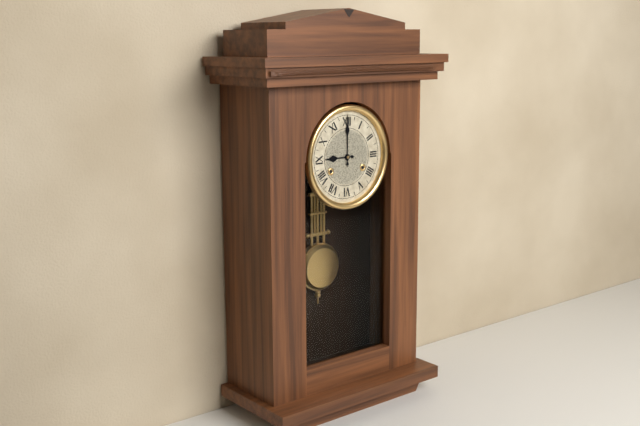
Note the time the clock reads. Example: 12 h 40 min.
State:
9 h 00 min
